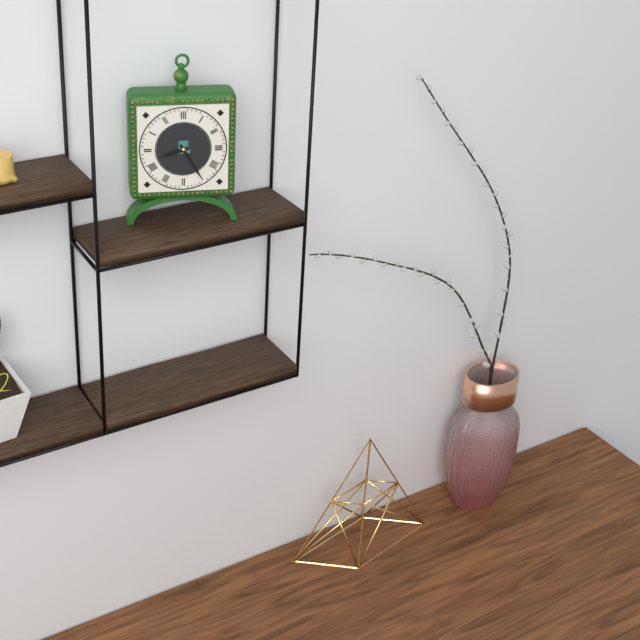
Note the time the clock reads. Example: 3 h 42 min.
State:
8 h 25 min
